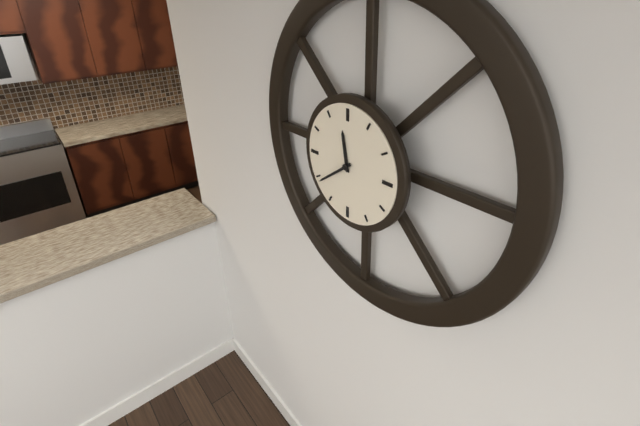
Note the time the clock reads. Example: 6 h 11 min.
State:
11 h 39 min
